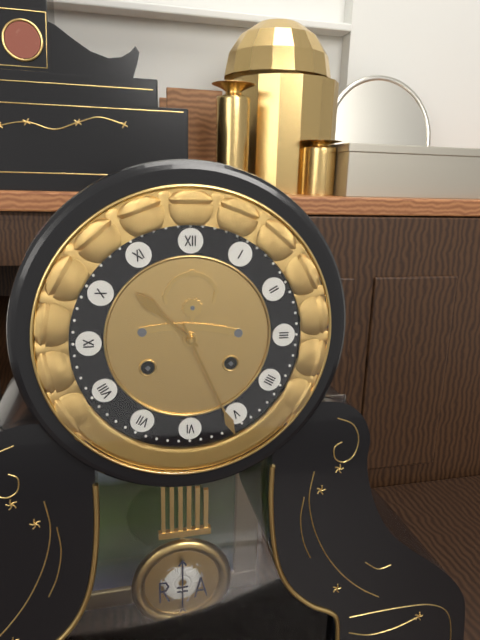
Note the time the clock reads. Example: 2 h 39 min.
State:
10 h 26 min
